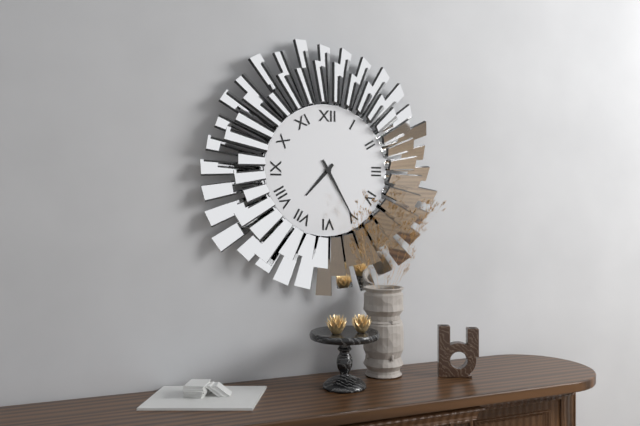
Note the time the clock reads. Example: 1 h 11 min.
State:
7 h 25 min
